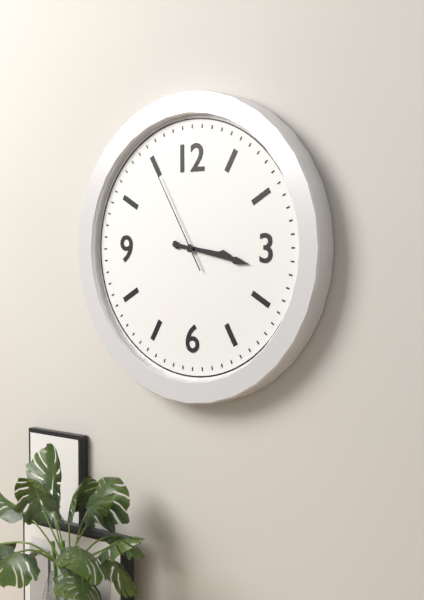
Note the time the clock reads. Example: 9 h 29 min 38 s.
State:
3 h 17 min 55 s
